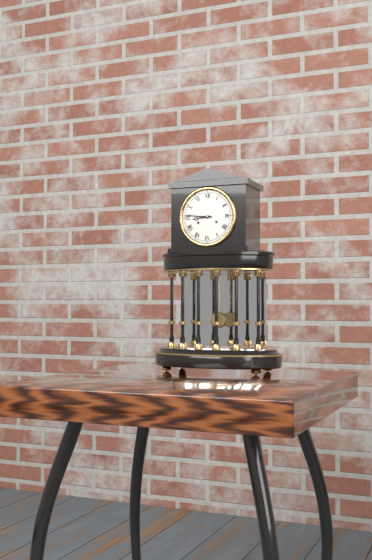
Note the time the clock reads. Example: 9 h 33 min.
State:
8 h 46 min
